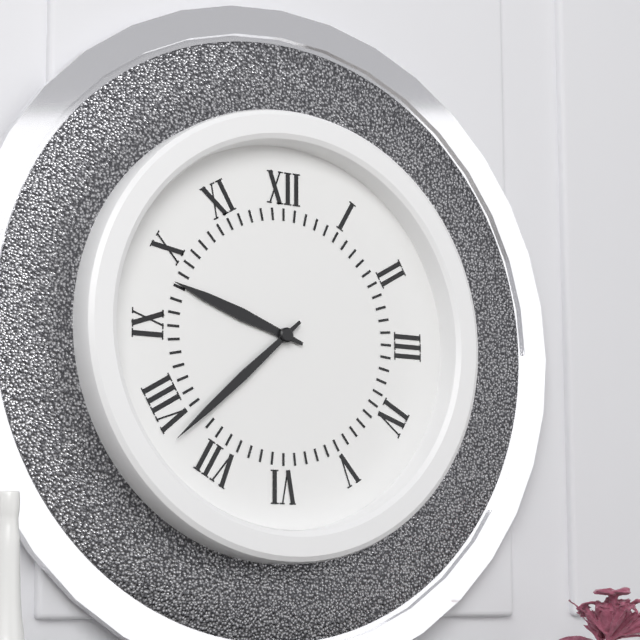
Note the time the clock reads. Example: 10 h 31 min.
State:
9 h 38 min
